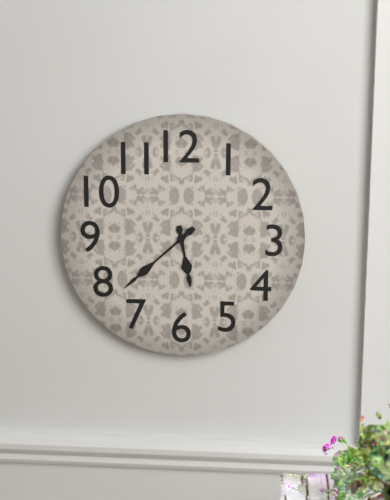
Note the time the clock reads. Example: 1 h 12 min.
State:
5 h 38 min
